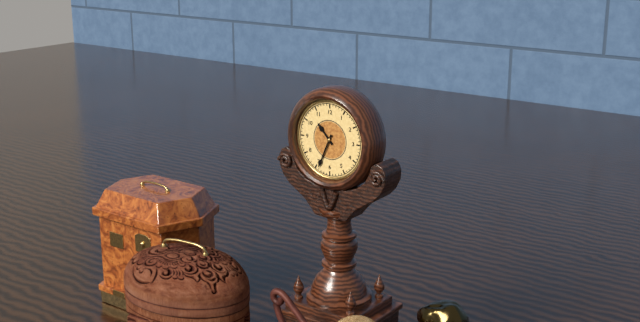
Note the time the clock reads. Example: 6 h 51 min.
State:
10 h 34 min
